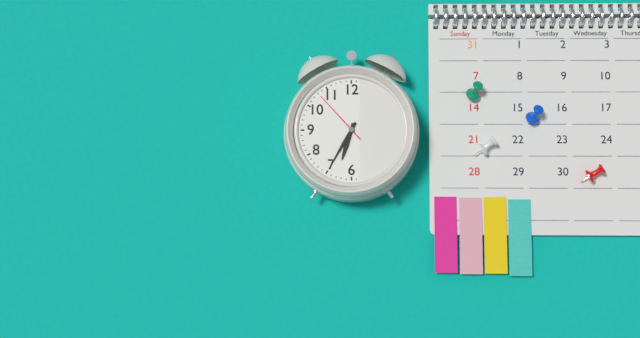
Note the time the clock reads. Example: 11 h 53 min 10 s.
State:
6 h 35 min 53 s
